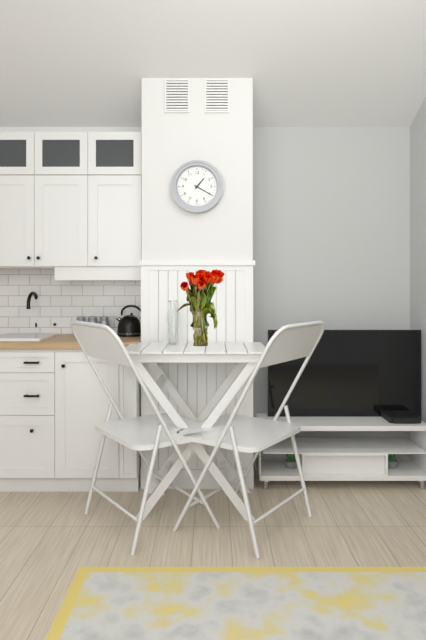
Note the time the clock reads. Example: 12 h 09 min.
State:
1 h 20 min
